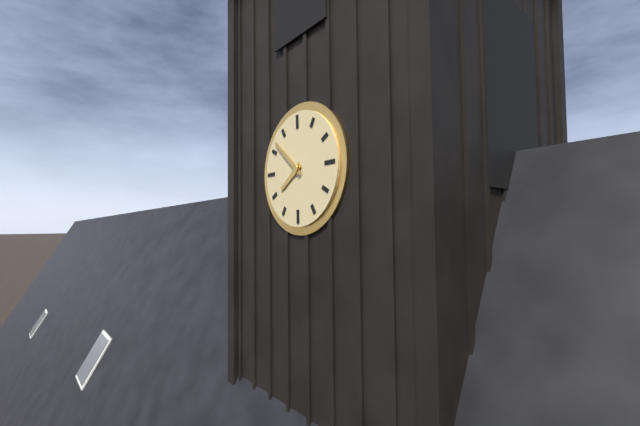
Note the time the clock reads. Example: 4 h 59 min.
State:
7 h 52 min
